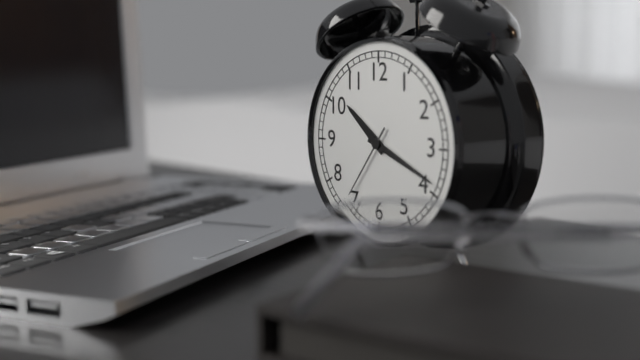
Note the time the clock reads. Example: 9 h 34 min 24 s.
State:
10 h 19 min 36 s
